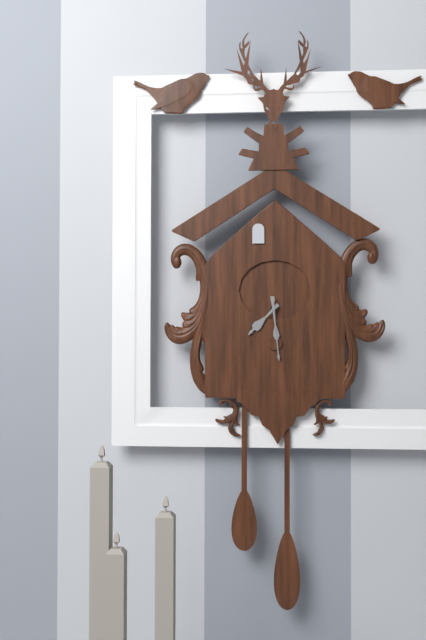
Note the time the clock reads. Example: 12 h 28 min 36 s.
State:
7 h 29 min 29 s
